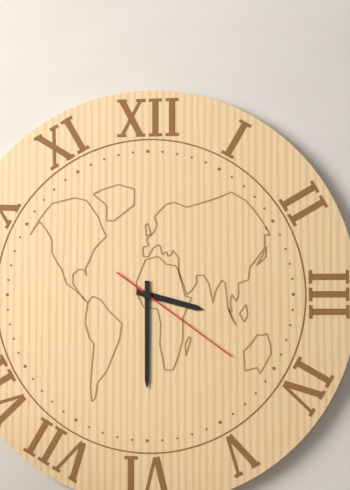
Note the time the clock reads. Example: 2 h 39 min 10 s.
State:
3 h 30 min 21 s
